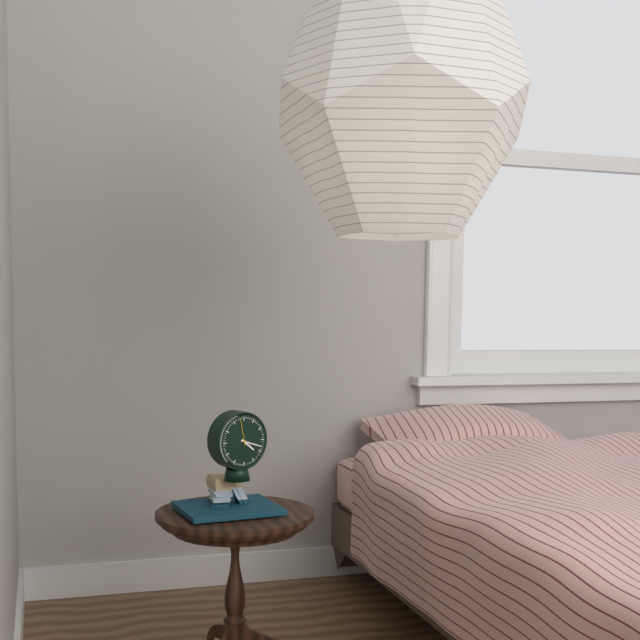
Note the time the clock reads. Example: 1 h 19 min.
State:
4 h 18 min
